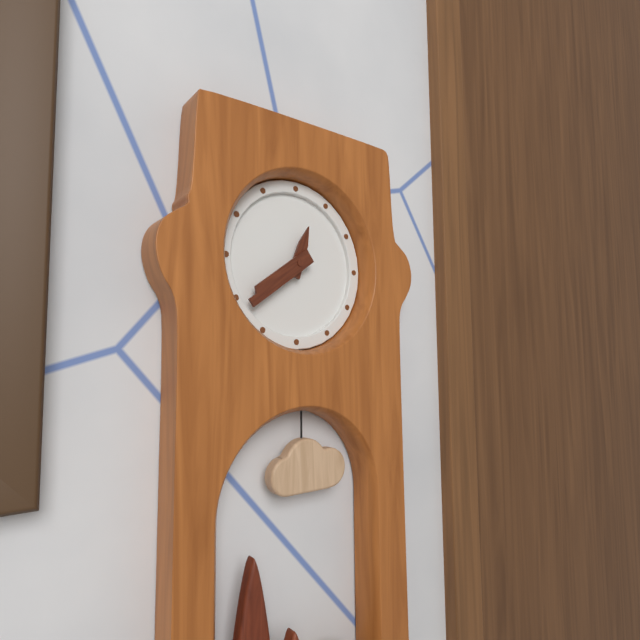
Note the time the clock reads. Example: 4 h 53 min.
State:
12 h 39 min
